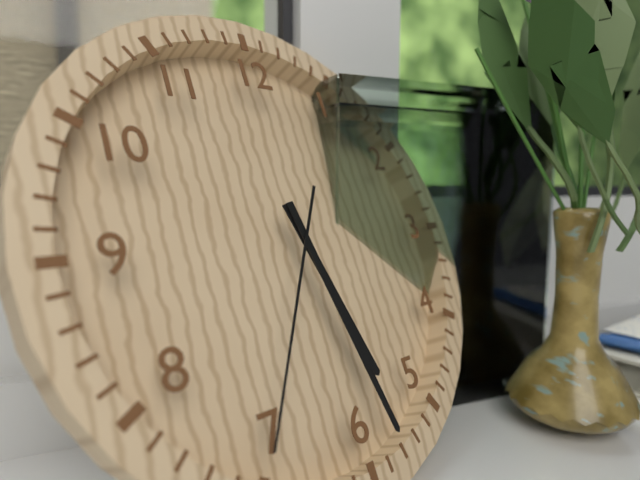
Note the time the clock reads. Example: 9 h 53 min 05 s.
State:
5 h 28 min 35 s
